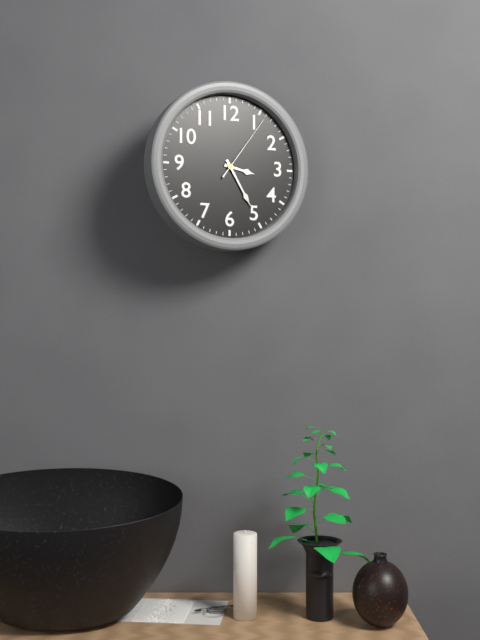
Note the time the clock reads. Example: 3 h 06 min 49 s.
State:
3 h 25 min 06 s
